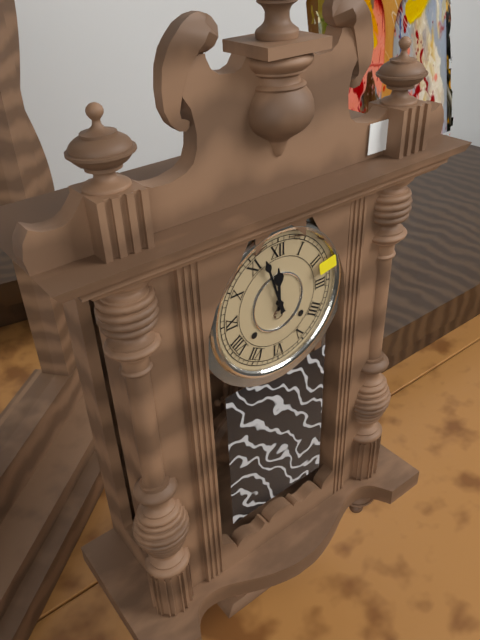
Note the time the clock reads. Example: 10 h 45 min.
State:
11 h 57 min
